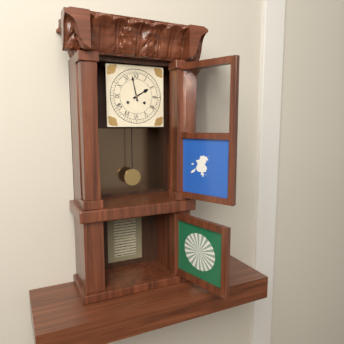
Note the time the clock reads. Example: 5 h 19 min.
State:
1 h 58 min
